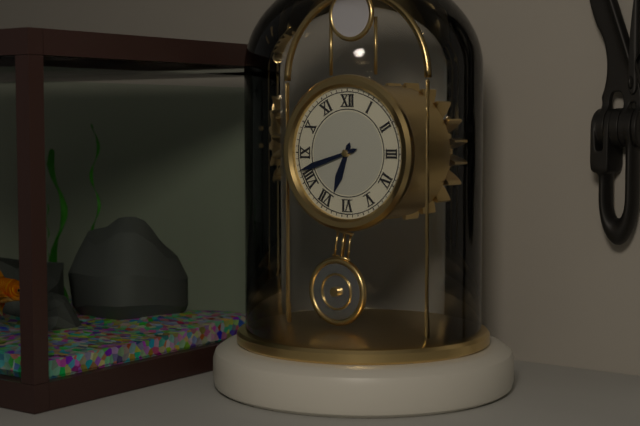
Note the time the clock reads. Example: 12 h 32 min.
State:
6 h 42 min
